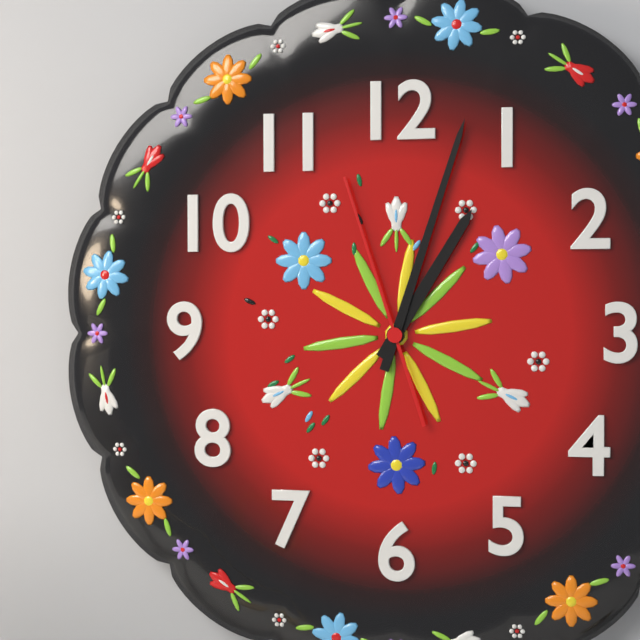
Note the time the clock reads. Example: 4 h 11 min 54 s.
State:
1 h 03 min 57 s
